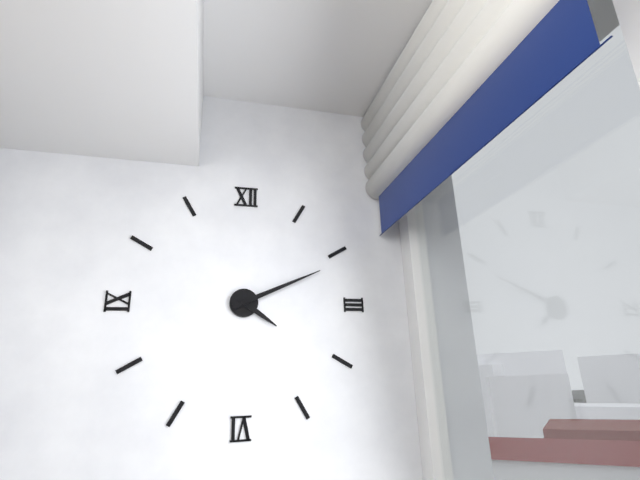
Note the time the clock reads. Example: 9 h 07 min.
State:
4 h 11 min
